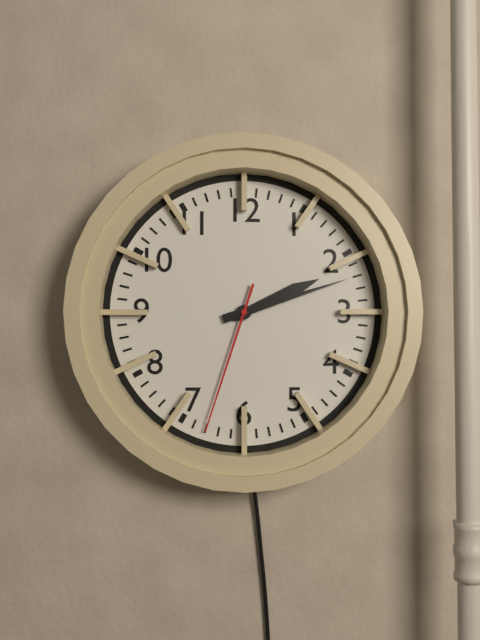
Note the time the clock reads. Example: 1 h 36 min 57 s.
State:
2 h 12 min 33 s
